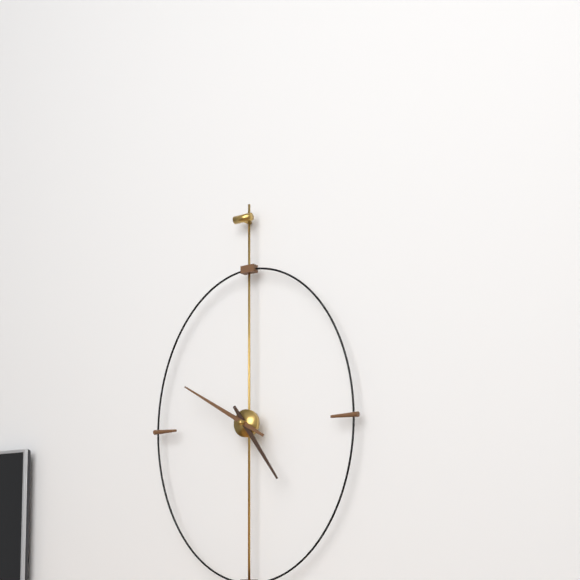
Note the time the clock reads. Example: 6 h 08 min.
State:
4 h 50 min
